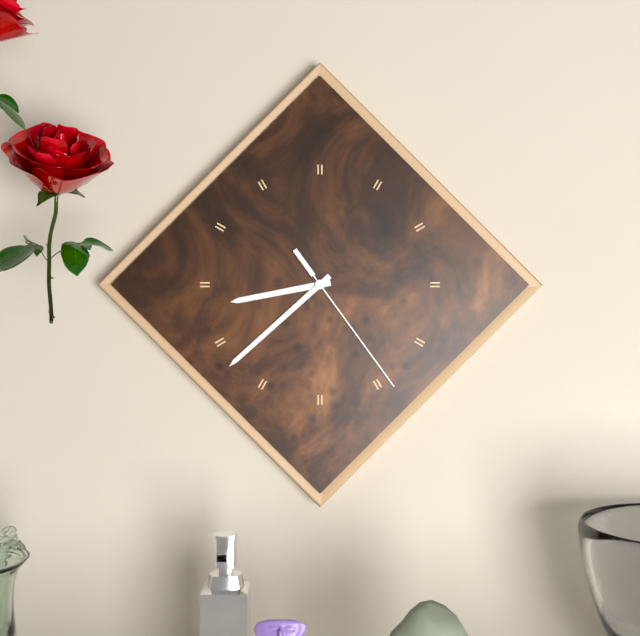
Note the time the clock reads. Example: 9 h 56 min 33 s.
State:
8 h 38 min 24 s
